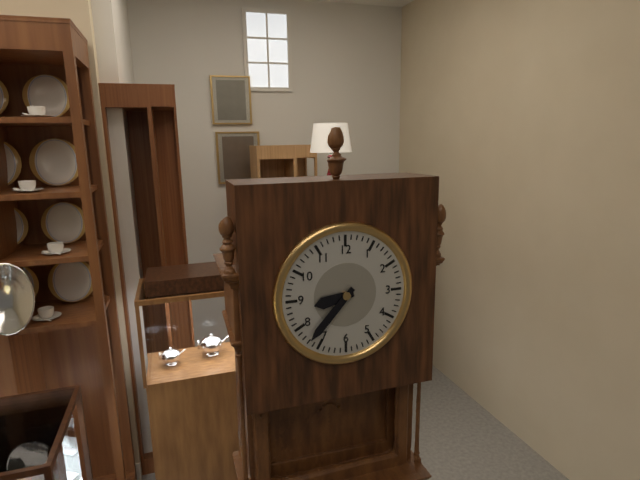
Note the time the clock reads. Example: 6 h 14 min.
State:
8 h 37 min
